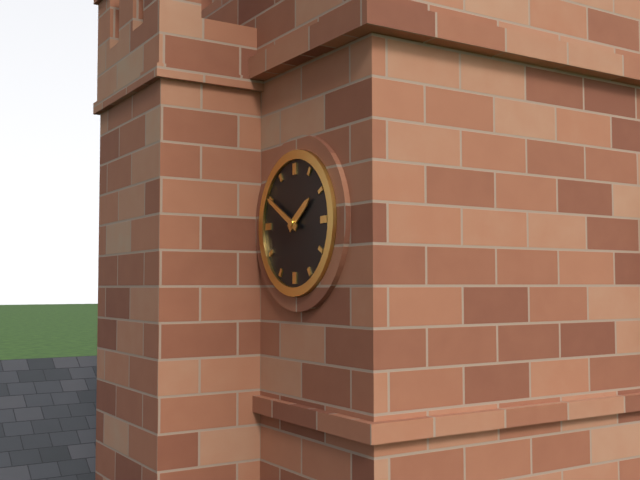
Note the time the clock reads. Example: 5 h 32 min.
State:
1 h 50 min
